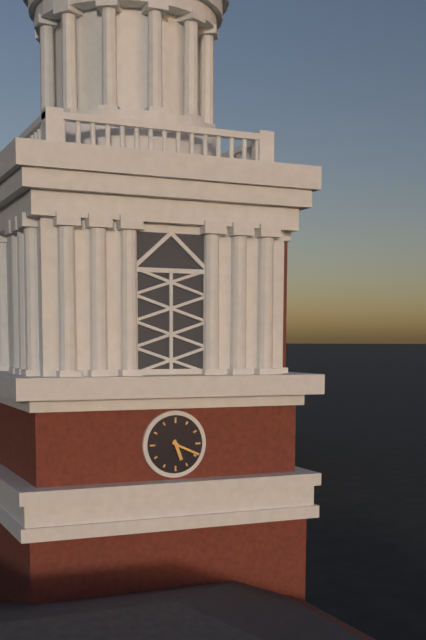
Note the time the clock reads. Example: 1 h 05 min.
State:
5 h 19 min
